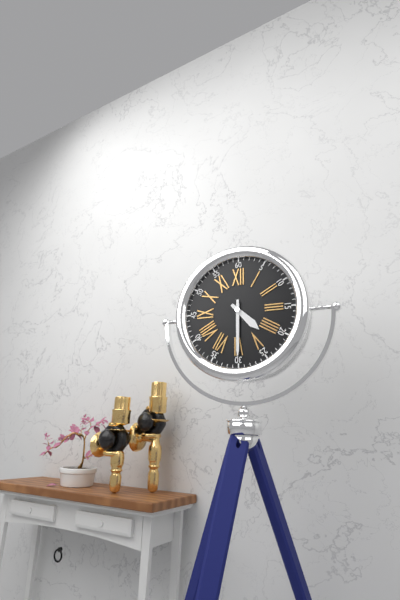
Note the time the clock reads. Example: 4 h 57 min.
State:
4 h 30 min
